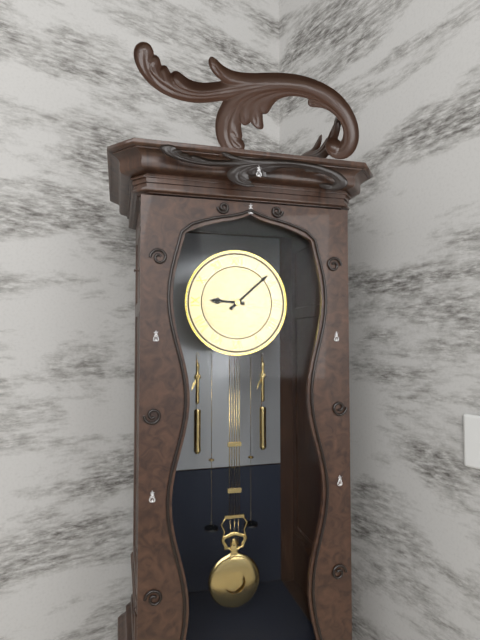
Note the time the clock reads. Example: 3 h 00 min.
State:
9 h 08 min
